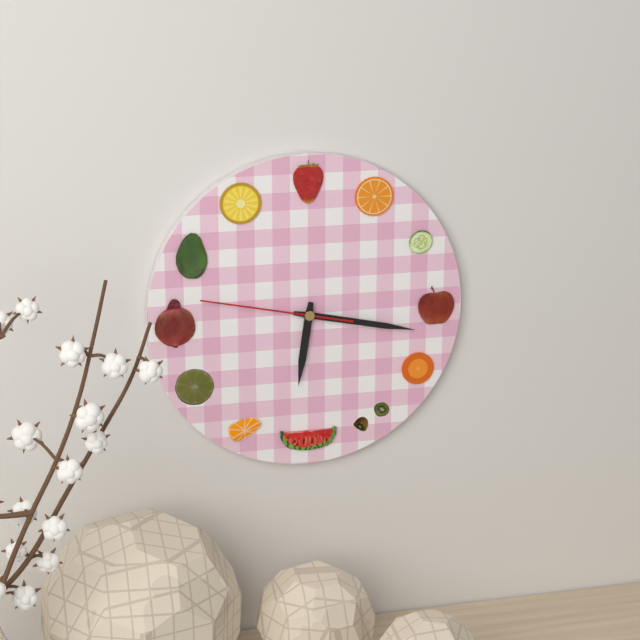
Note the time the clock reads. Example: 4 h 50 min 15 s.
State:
6 h 17 min 47 s
